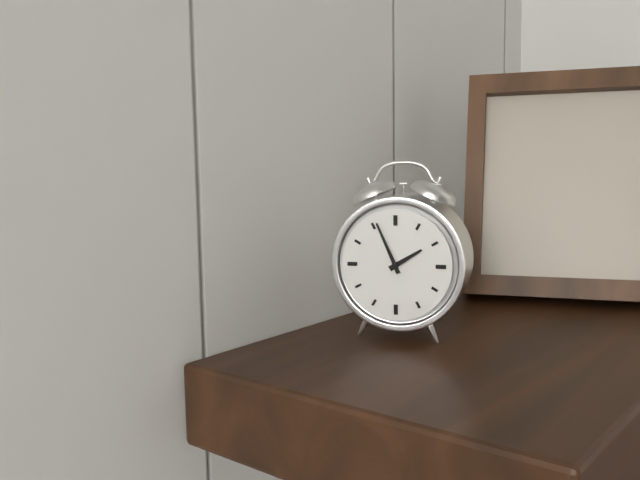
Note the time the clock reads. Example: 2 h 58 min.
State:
1 h 56 min
